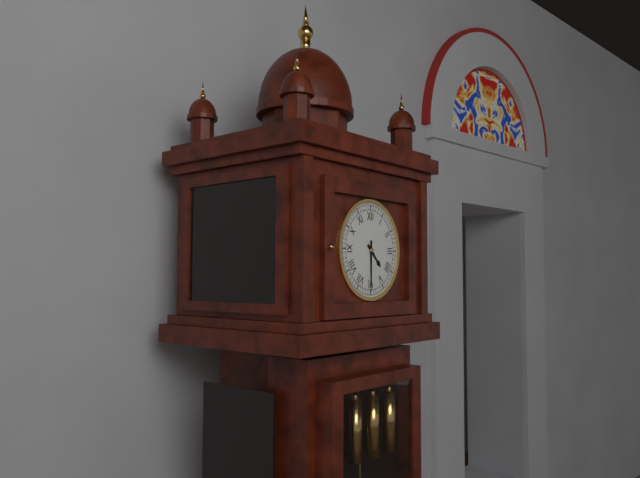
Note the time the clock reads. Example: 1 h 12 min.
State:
4 h 30 min
